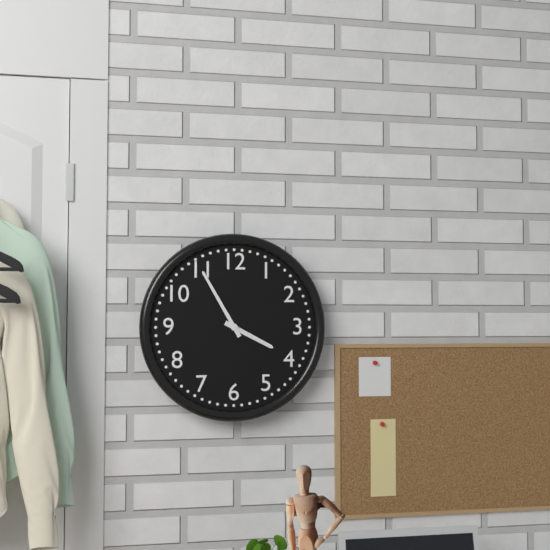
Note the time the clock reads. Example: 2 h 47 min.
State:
3 h 55 min
